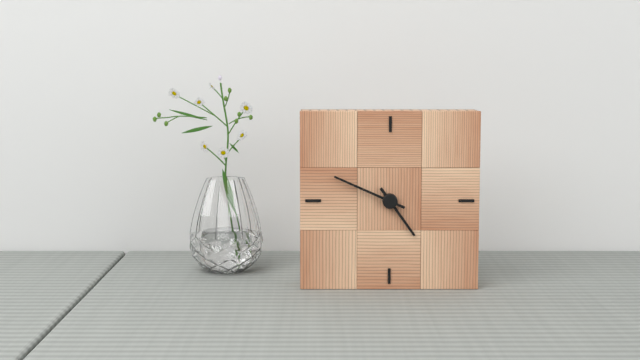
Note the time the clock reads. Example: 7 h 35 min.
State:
4 h 49 min
